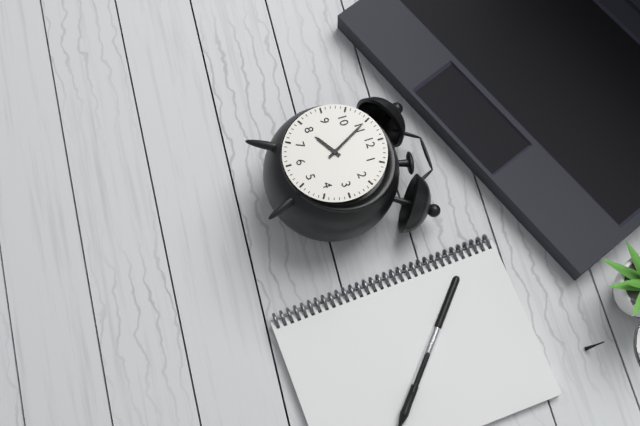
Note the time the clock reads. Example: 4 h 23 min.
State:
7 h 55 min
